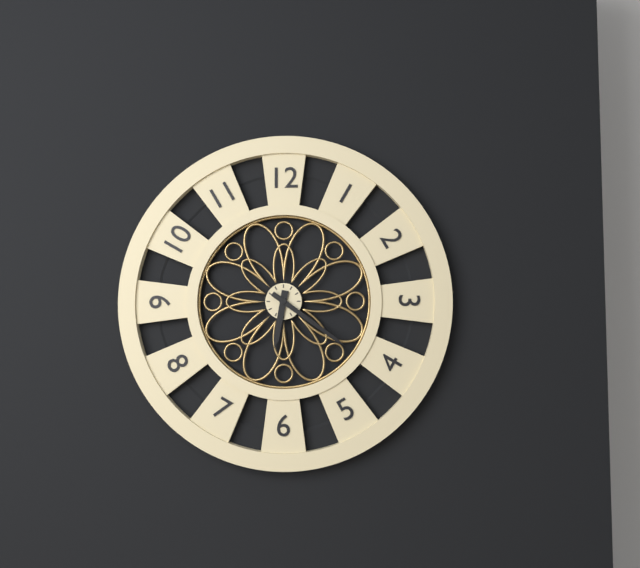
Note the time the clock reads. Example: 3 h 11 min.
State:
6 h 21 min
